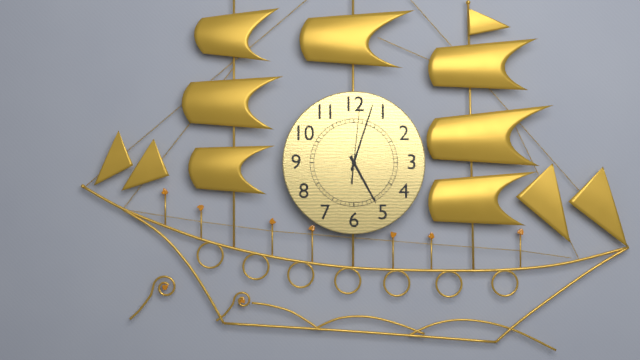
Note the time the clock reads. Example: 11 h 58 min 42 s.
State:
5 h 03 min 01 s
